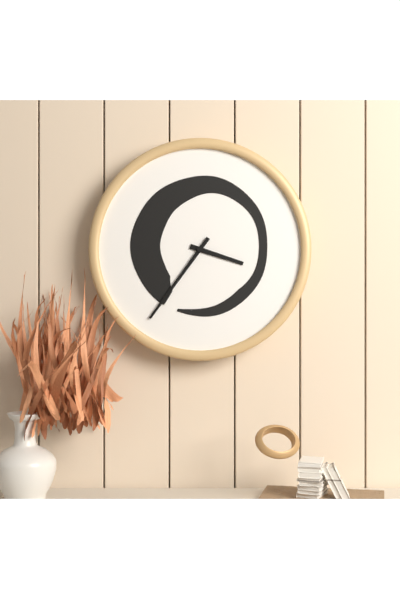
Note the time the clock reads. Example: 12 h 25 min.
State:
3 h 36 min
